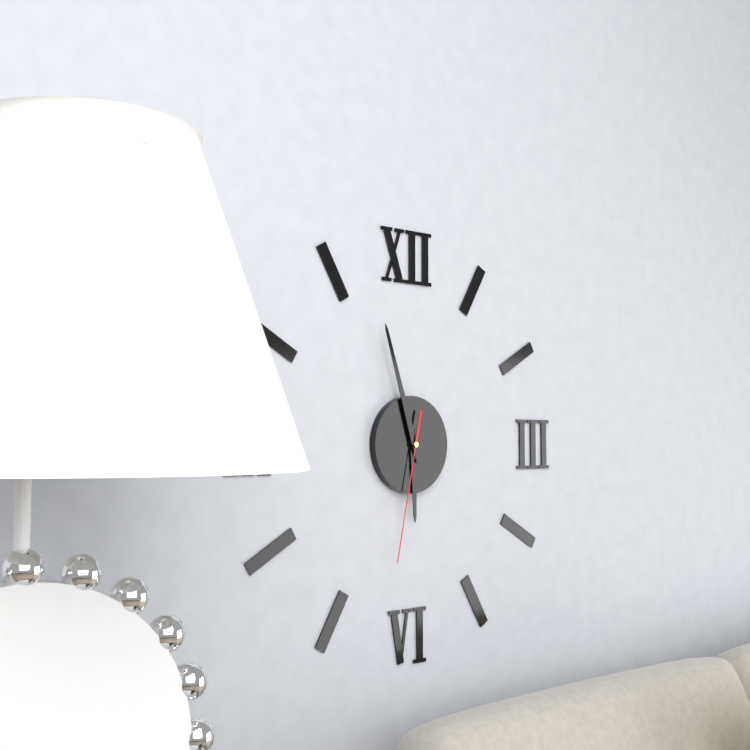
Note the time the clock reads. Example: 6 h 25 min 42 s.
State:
5 h 57 min 32 s
